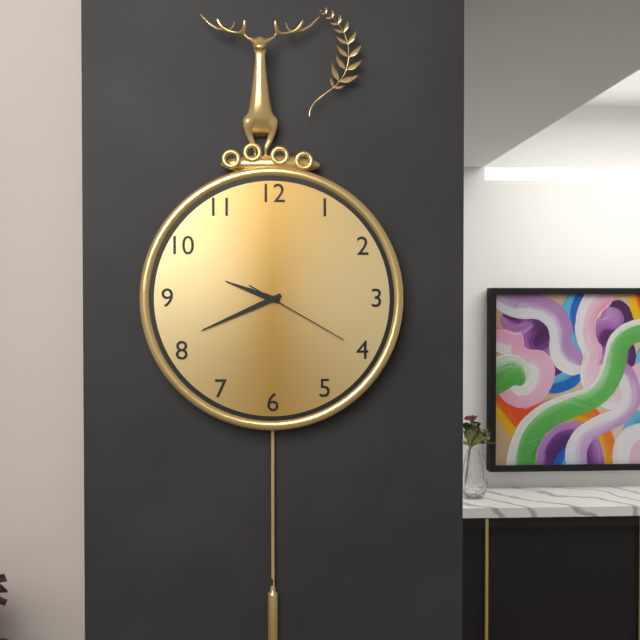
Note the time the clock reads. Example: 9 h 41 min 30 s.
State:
9 h 41 min 20 s
